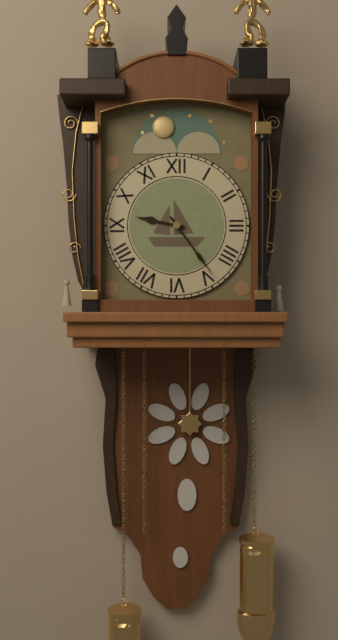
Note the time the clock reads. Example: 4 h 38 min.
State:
9 h 24 min
